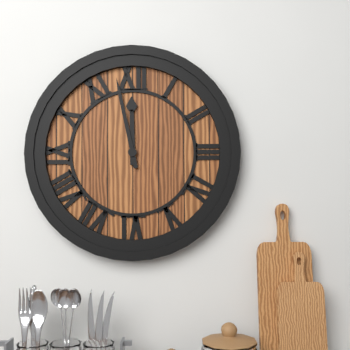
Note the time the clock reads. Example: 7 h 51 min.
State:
11 h 58 min
